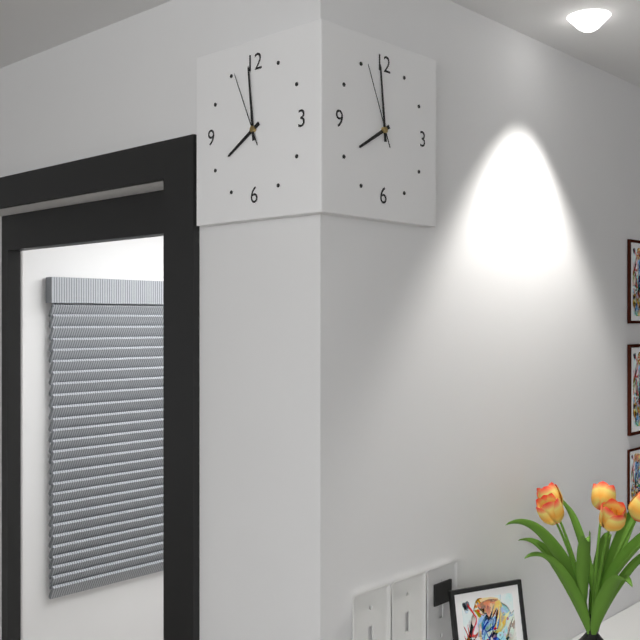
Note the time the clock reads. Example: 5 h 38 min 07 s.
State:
7 h 59 min 56 s
